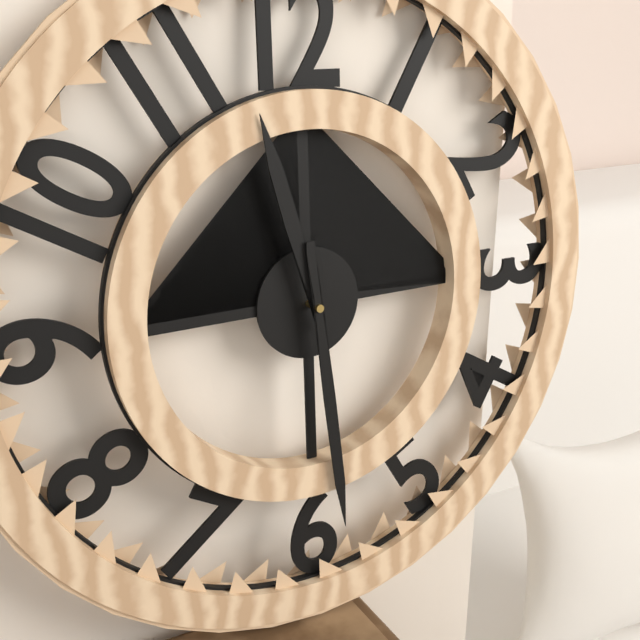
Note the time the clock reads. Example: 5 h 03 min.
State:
11 h 29 min
